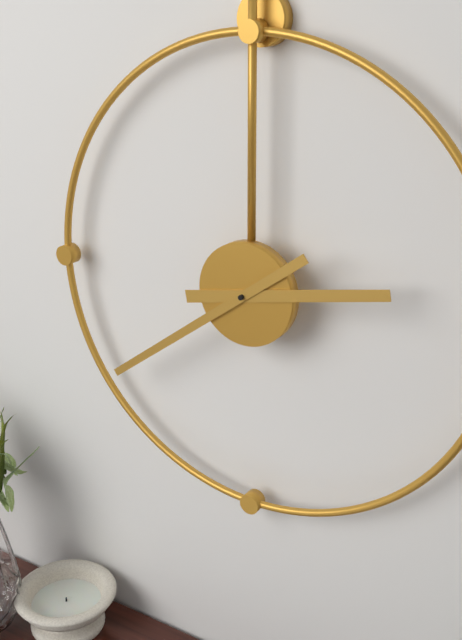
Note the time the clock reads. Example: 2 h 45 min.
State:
2 h 39 min
